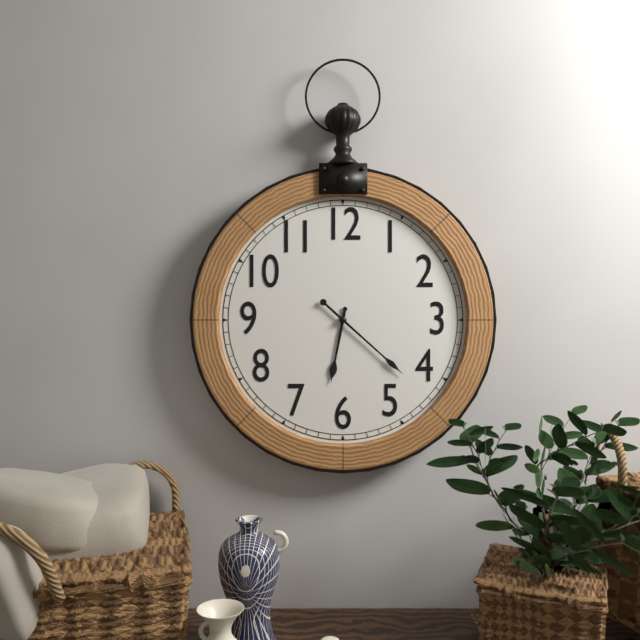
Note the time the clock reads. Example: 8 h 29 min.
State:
6 h 22 min
